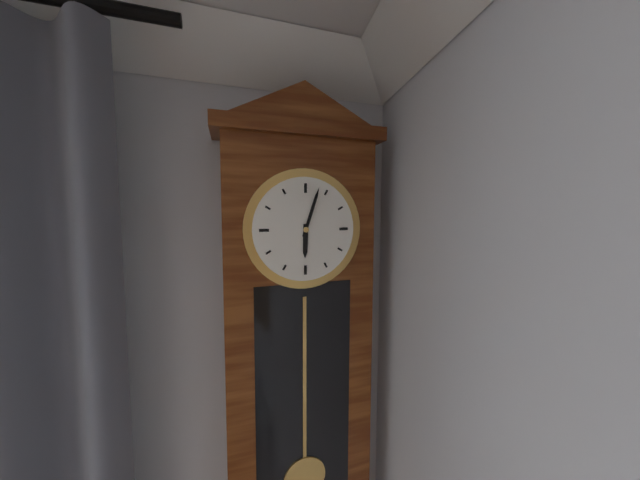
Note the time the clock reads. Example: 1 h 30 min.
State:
6 h 03 min
